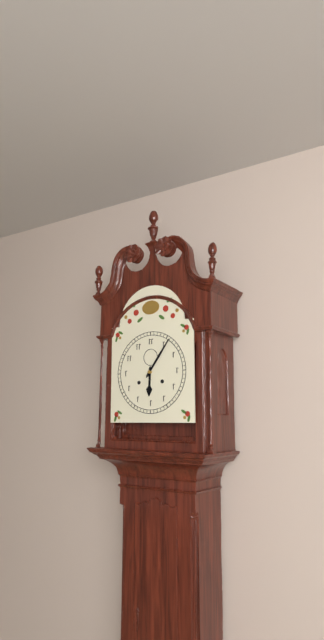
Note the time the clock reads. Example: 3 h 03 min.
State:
6 h 06 min
